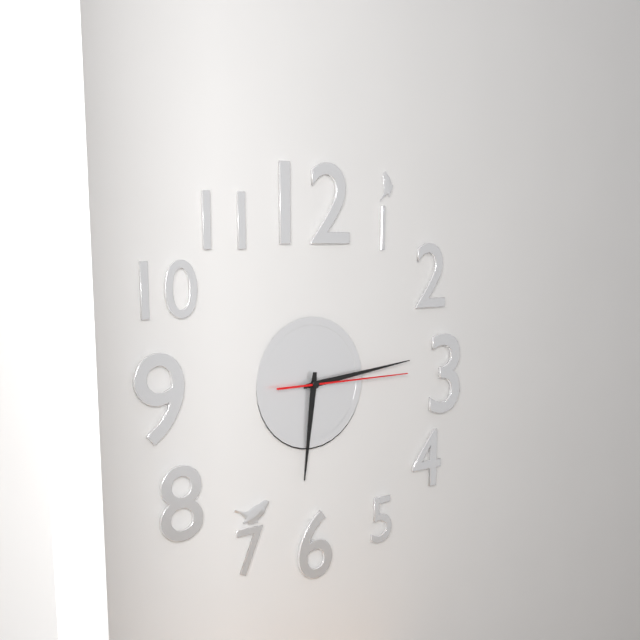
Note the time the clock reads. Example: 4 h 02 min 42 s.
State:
6 h 14 min 15 s
